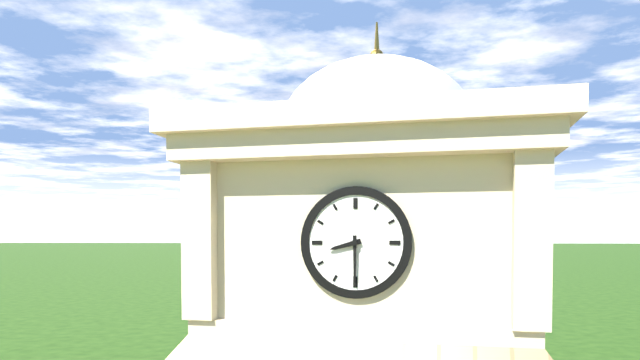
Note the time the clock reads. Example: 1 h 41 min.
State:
8 h 30 min
